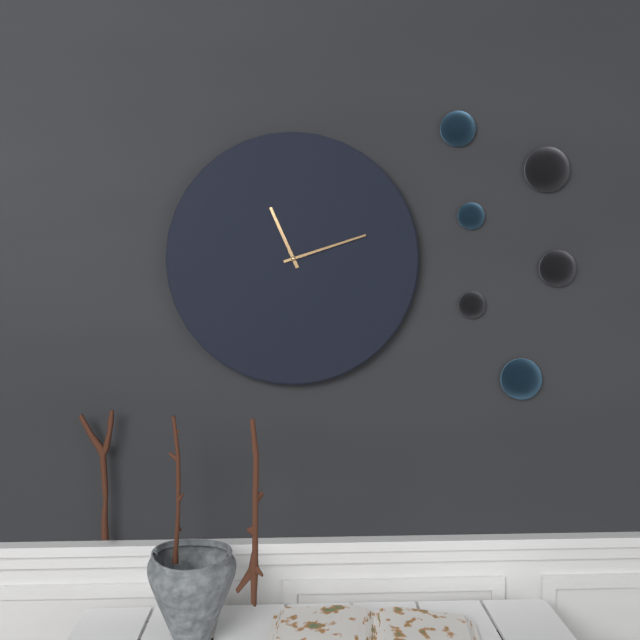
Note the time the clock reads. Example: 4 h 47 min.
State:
11 h 12 min
